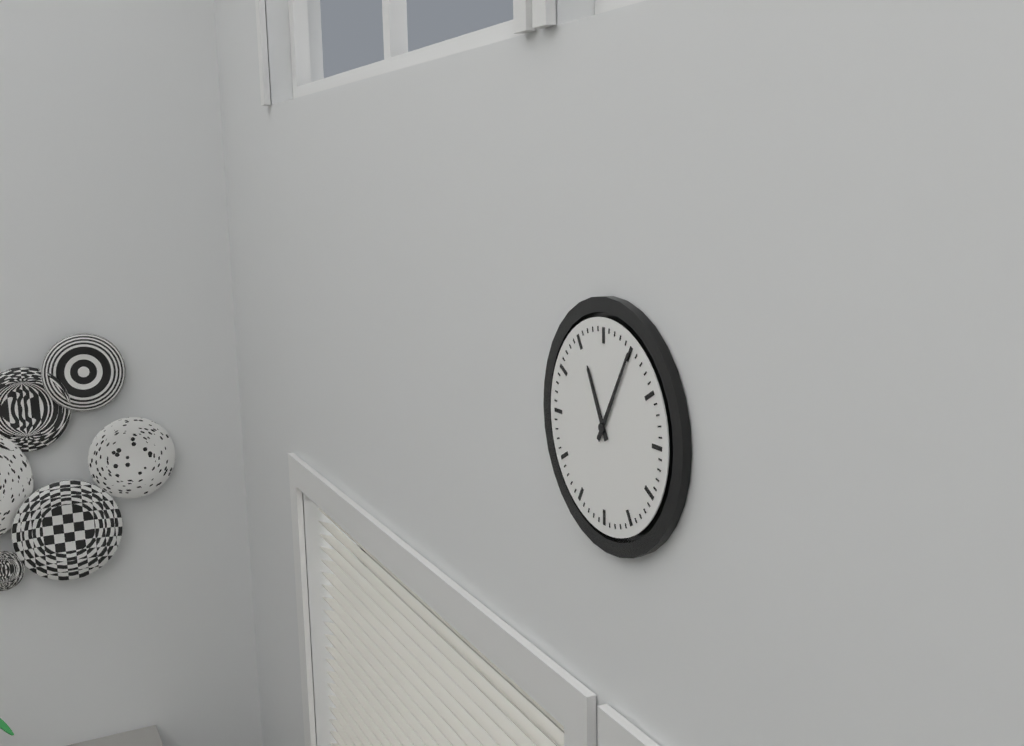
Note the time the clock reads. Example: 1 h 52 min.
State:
11 h 05 min
